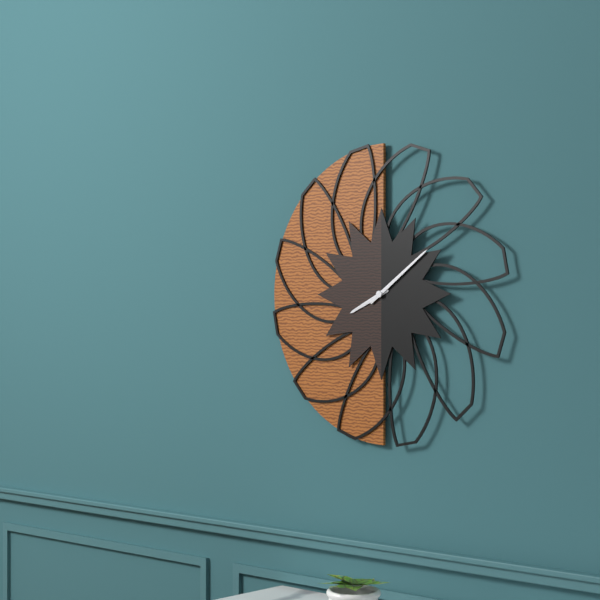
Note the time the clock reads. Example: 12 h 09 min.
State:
8 h 09 min
